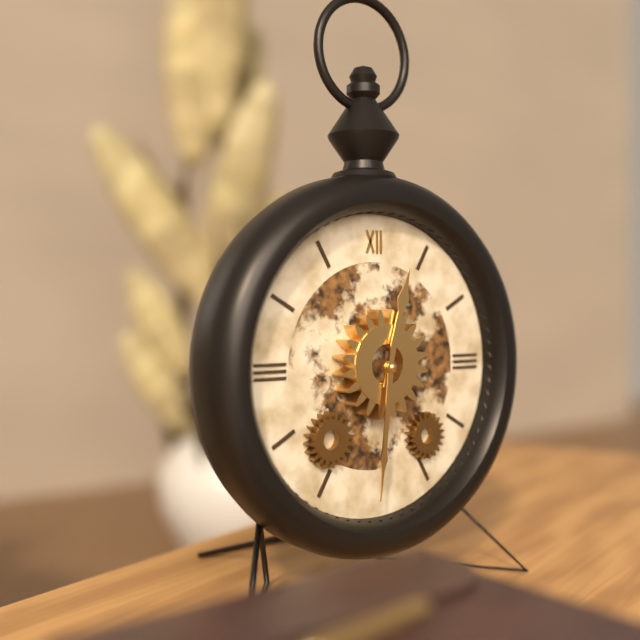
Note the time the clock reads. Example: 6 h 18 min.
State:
12 h 31 min
